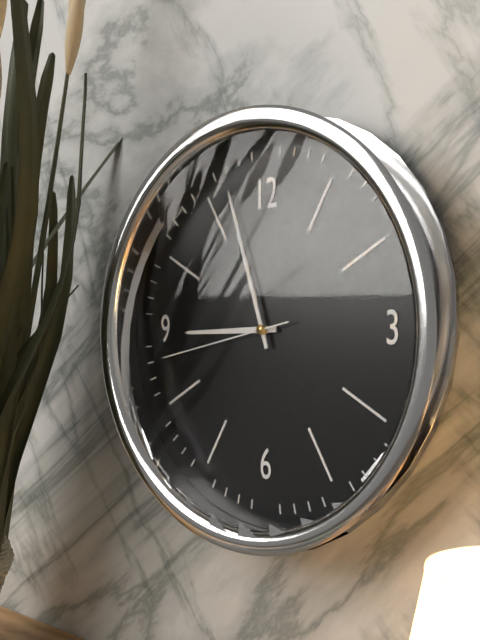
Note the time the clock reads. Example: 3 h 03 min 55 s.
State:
8 h 57 min 43 s
